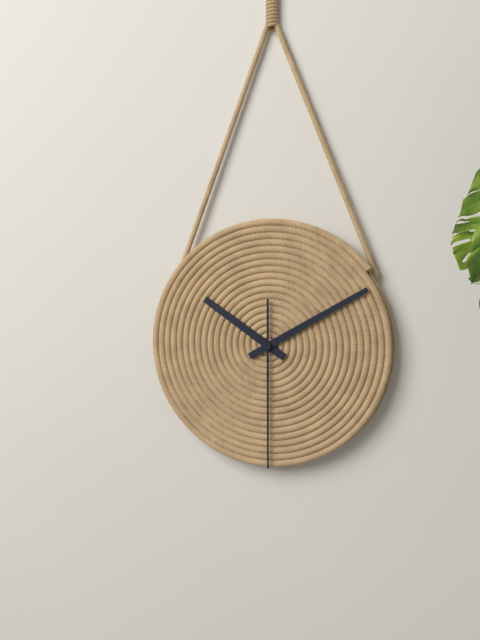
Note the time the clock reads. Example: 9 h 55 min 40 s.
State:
10 h 10 min 30 s
